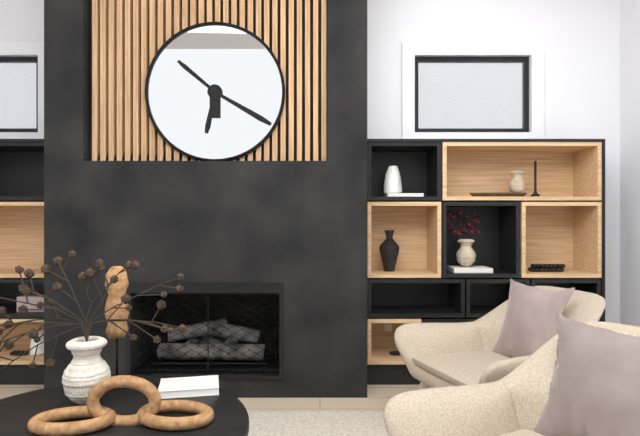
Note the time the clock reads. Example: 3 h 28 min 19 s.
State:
10 h 20 min 32 s
